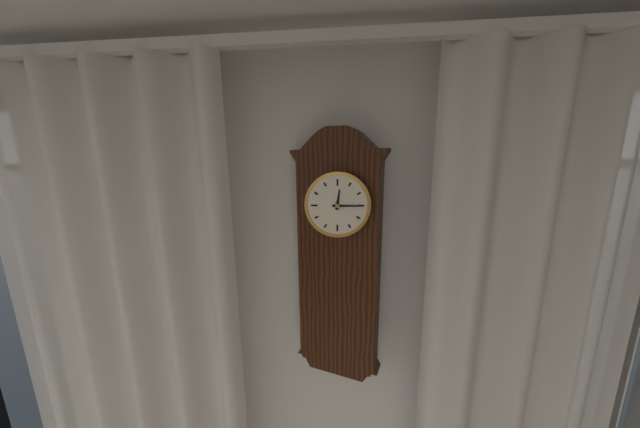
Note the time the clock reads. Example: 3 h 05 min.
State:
12 h 15 min
